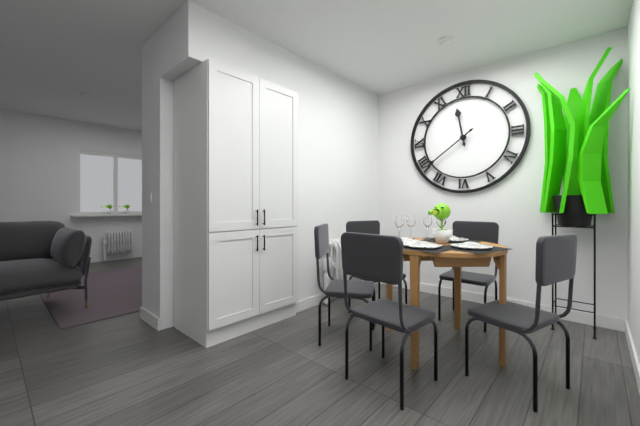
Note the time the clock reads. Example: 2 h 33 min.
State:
11 h 39 min
